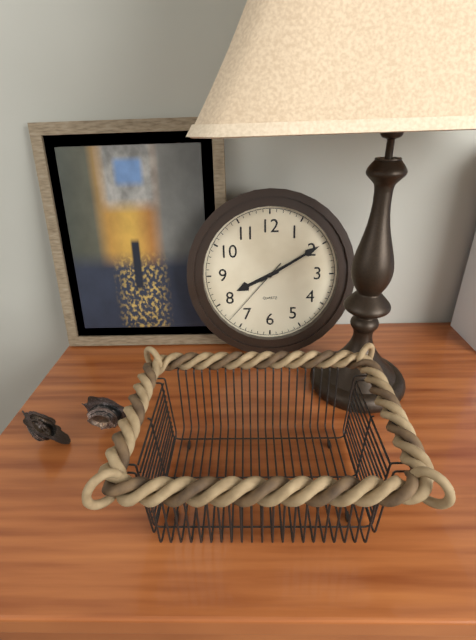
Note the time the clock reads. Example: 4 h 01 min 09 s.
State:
8 h 10 min 37 s
